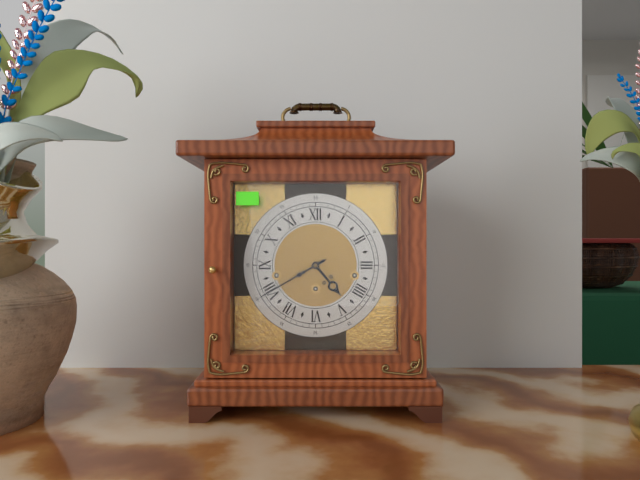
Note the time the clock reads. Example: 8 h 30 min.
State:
4 h 40 min
